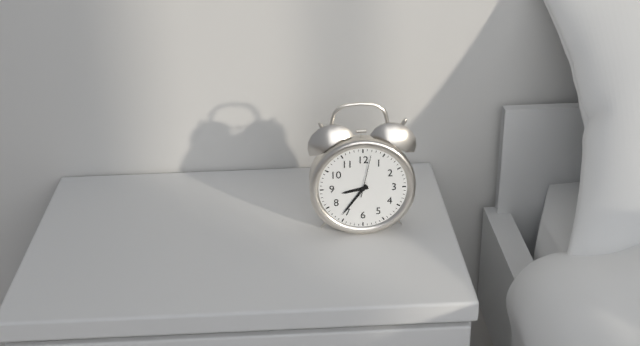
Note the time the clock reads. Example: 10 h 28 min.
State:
8 h 36 min
